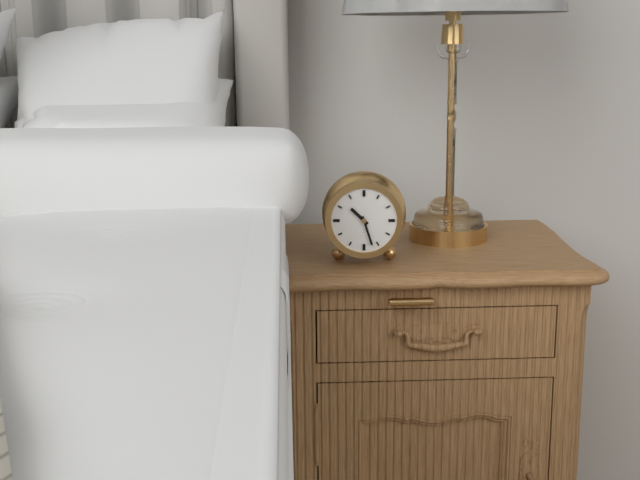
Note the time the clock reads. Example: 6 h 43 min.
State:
10 h 27 min
